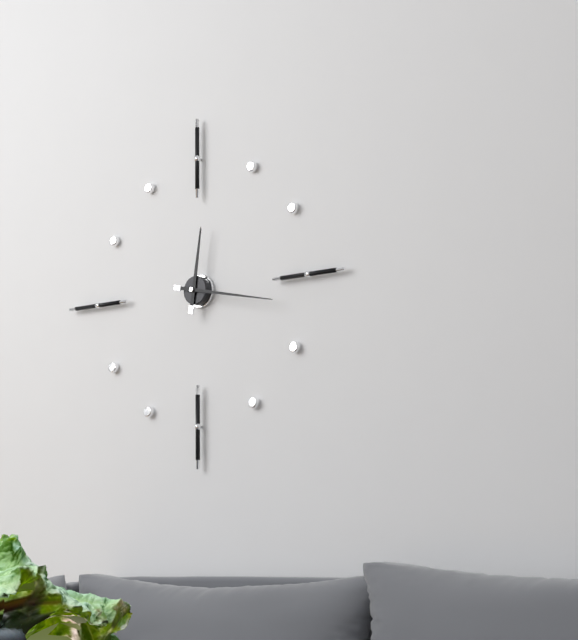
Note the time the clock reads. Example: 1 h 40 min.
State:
12 h 17 min
